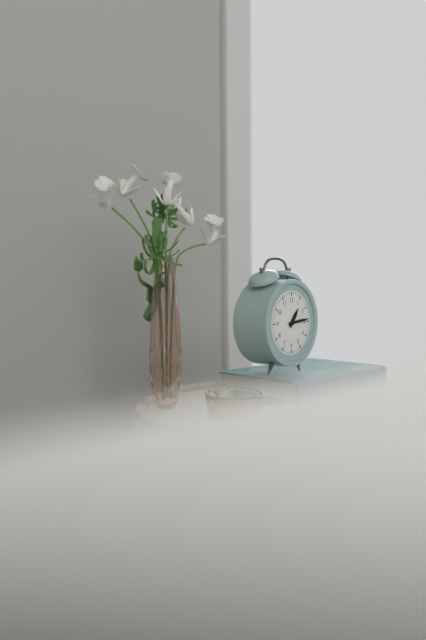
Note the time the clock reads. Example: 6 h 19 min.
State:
1 h 14 min
